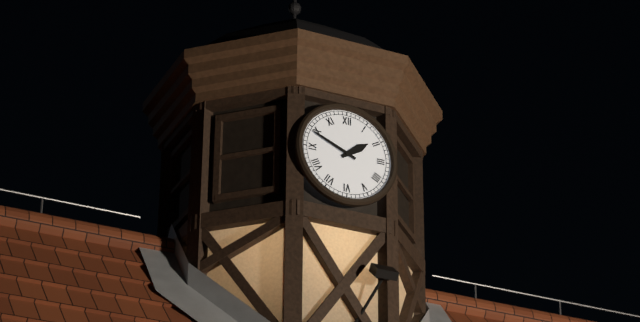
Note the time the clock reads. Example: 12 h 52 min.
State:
1 h 49 min
